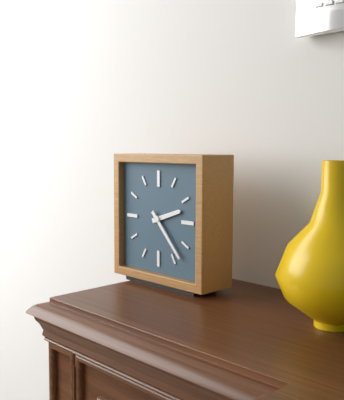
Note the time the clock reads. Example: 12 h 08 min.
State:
2 h 23 min
